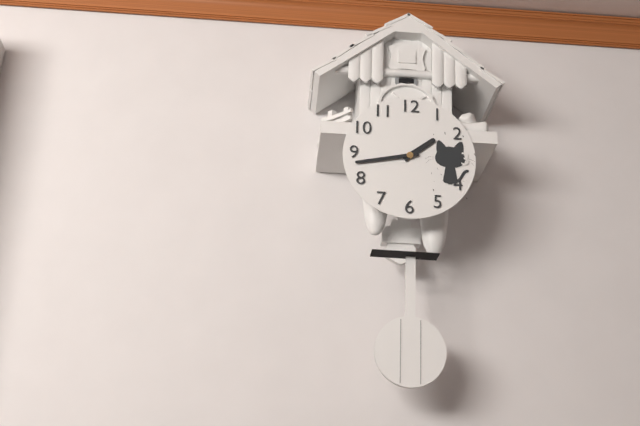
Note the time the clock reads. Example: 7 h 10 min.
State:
1 h 43 min
